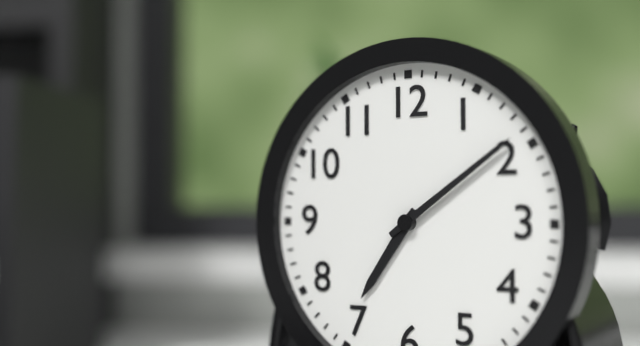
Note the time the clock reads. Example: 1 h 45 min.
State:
7 h 09 min
